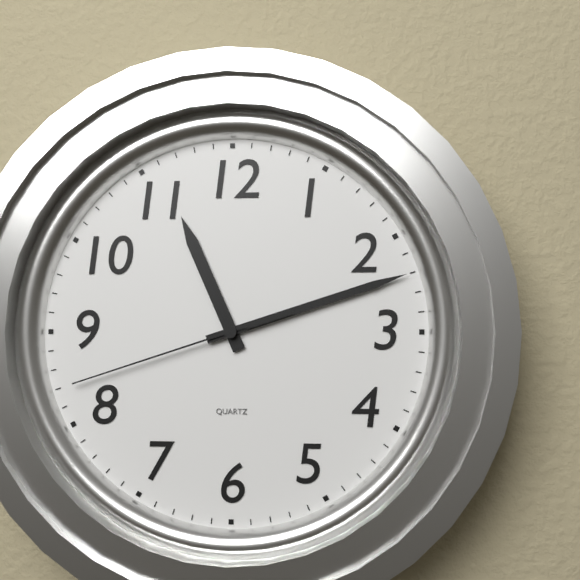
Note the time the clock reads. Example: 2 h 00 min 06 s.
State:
11 h 12 min 42 s
